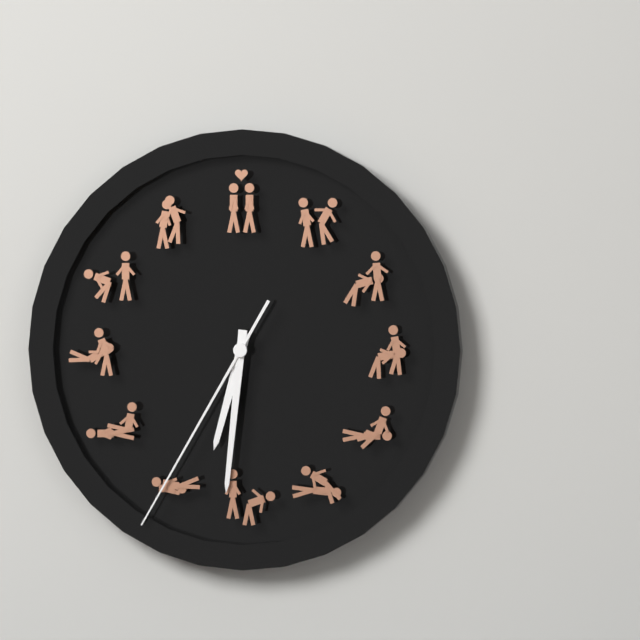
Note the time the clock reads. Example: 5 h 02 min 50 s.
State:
6 h 31 min 35 s
